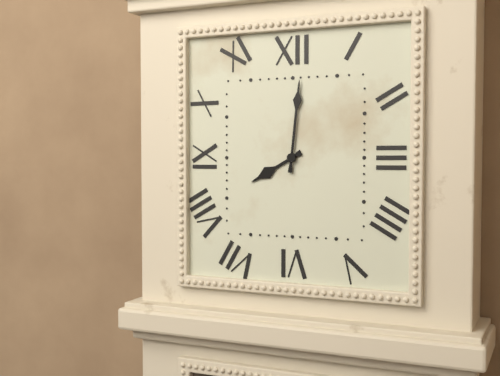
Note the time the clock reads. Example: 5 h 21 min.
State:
8 h 01 min
